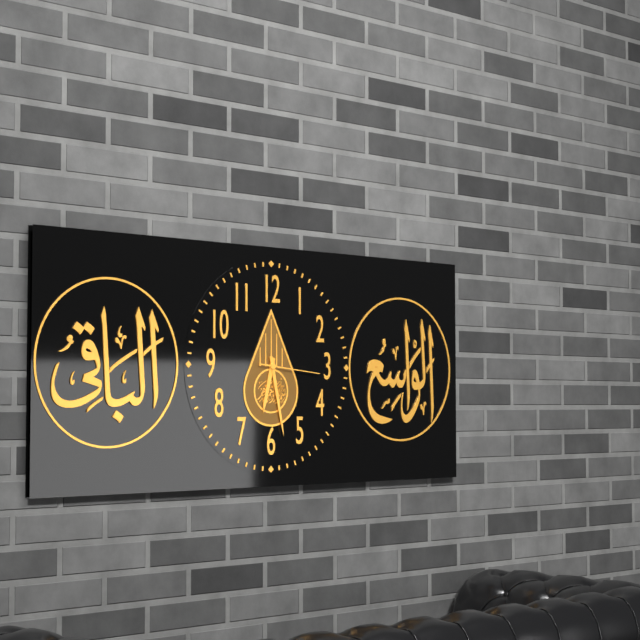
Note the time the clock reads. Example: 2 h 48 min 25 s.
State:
6 h 28 min 16 s
